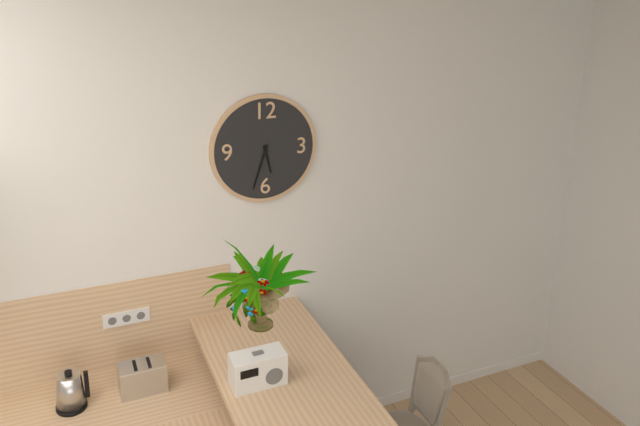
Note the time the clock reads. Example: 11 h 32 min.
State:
5 h 33 min
